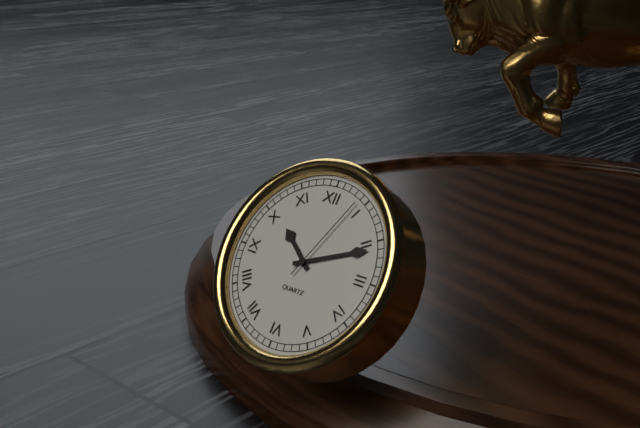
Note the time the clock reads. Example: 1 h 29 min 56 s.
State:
10 h 11 min 04 s
